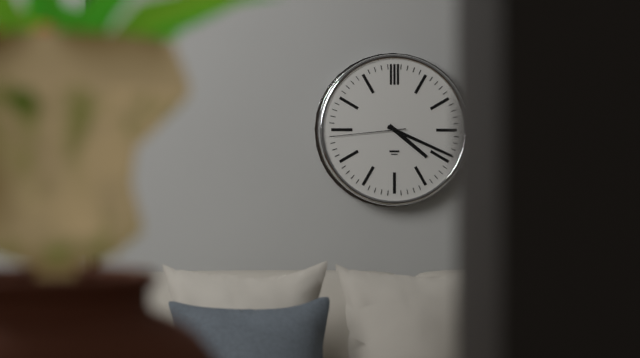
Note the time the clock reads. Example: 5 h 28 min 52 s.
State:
4 h 19 min 44 s
